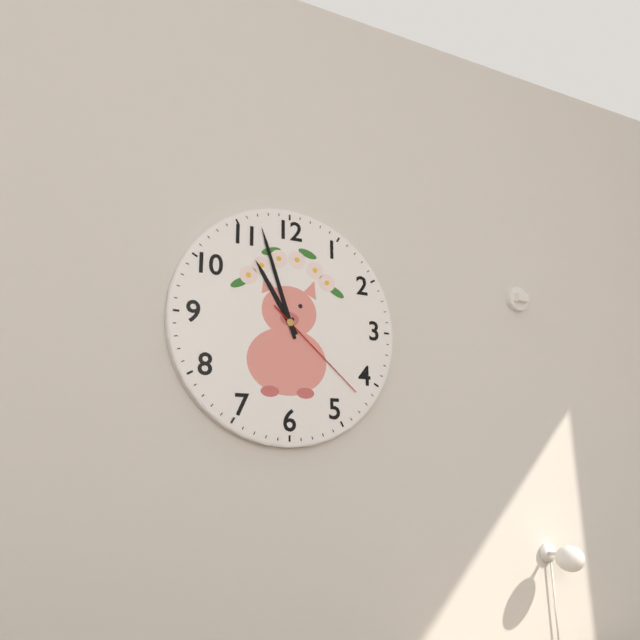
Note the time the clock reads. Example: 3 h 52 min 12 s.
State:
10 h 57 min 22 s
